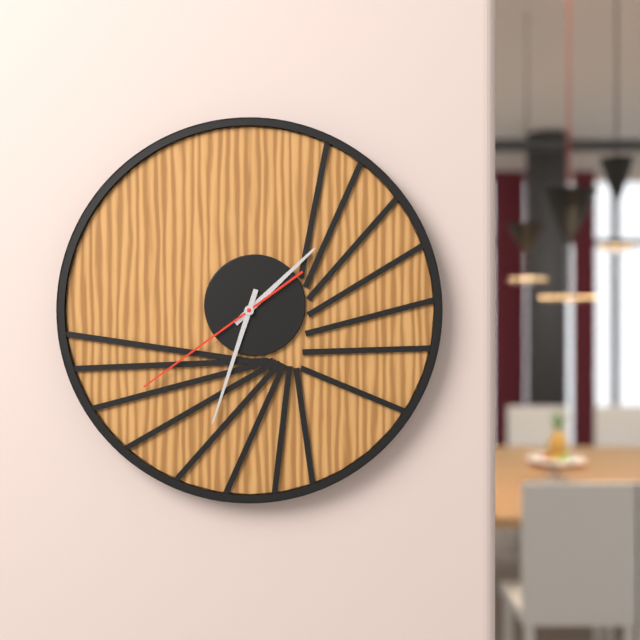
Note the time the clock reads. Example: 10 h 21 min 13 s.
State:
1 h 33 min 39 s
